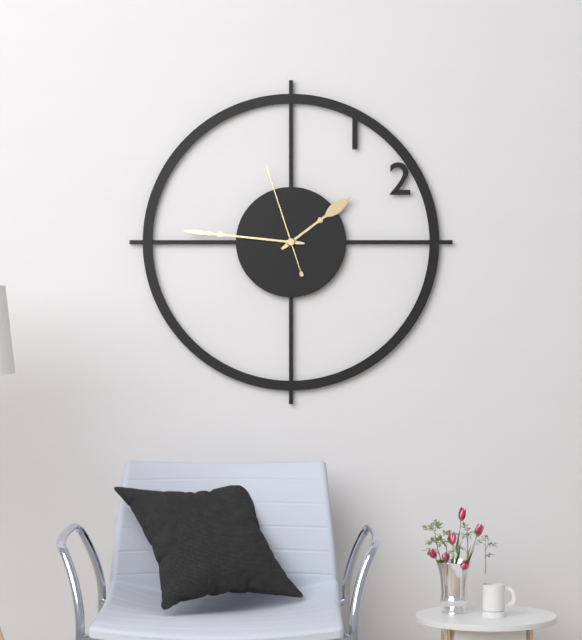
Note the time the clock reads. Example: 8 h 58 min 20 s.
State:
1 h 46 min 57 s
